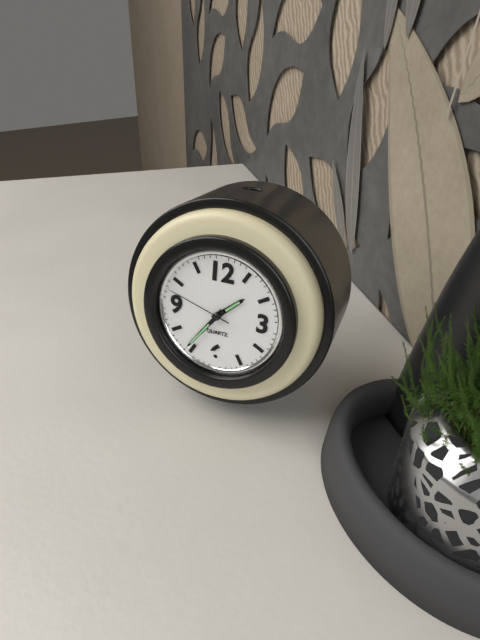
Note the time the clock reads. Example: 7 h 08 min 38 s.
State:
1 h 36 min 48 s
